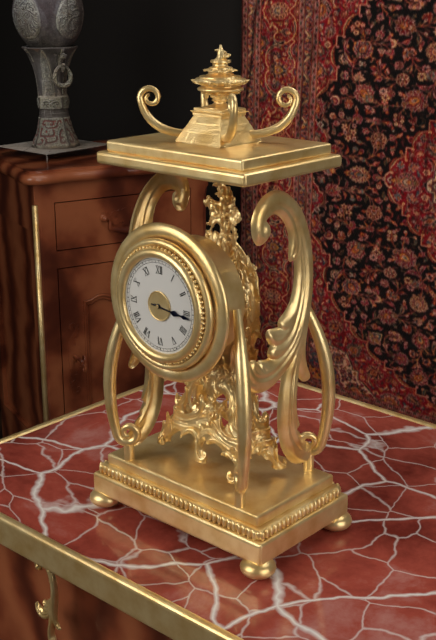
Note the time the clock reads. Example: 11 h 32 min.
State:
3 h 16 min
